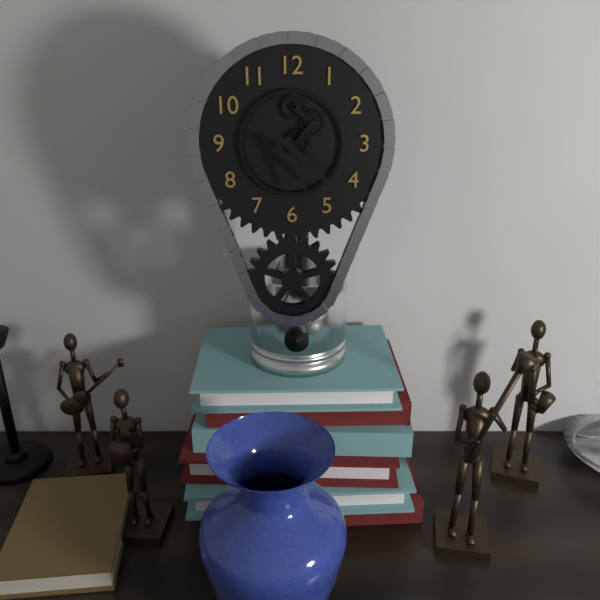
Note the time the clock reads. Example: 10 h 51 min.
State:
5 h 22 min
